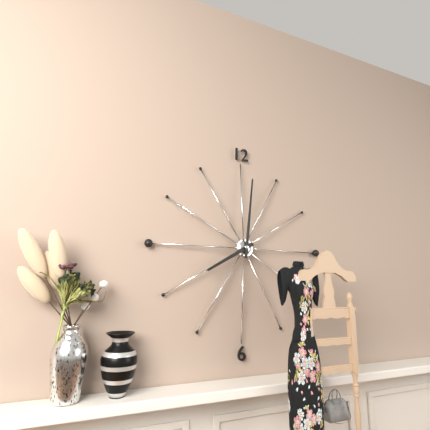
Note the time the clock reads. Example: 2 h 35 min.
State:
8 h 01 min
